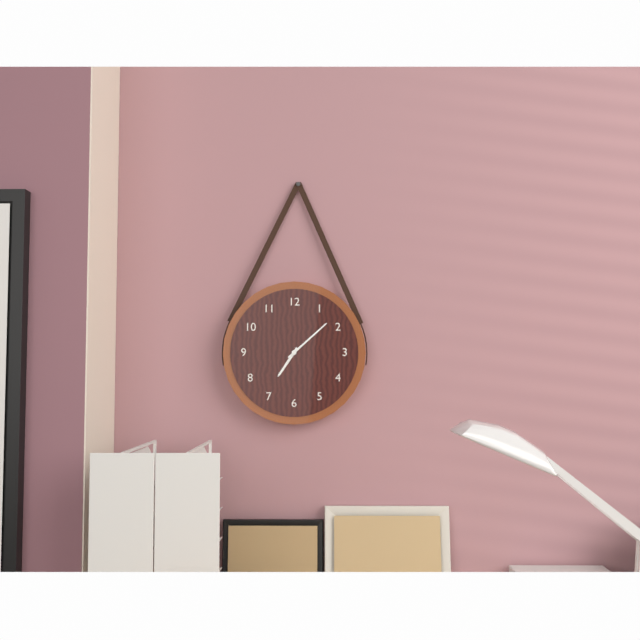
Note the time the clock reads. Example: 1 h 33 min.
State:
7 h 08 min
